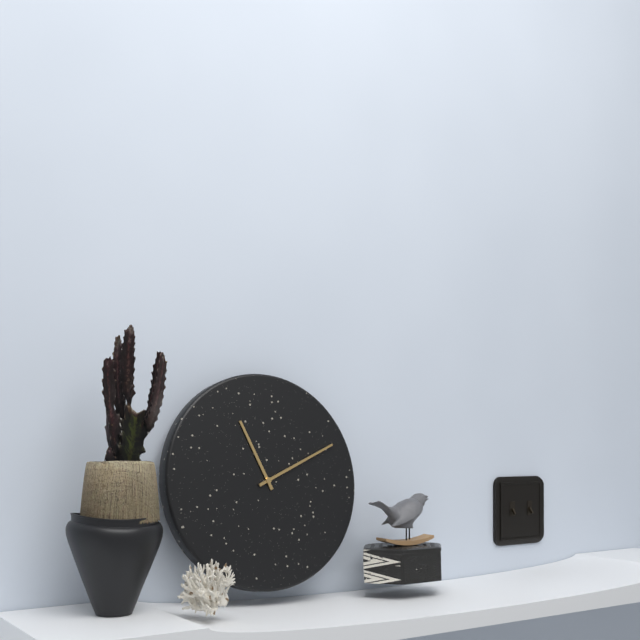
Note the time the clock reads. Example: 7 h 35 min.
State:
11 h 11 min
